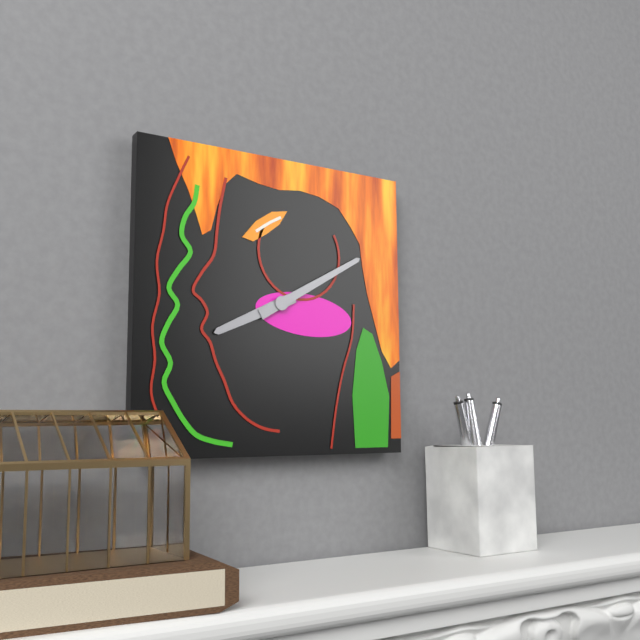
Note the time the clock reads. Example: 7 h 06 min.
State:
8 h 10 min
